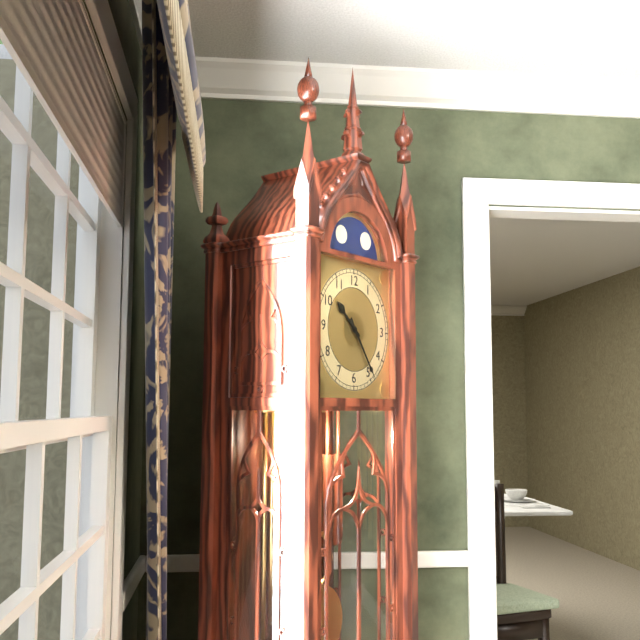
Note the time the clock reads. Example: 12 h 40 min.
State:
10 h 24 min
